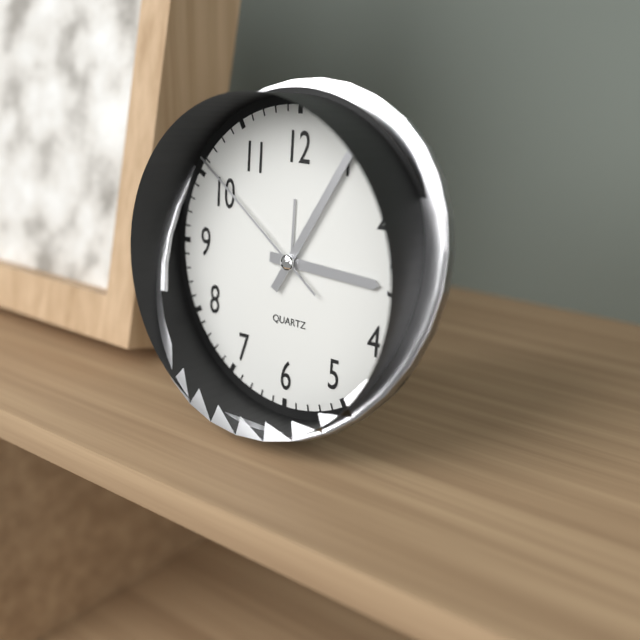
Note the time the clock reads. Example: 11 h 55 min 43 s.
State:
3 h 05 min 51 s
